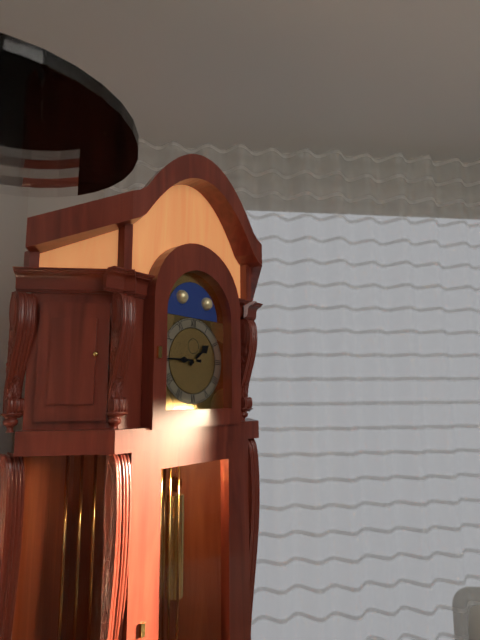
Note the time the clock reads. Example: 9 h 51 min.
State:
1 h 45 min
